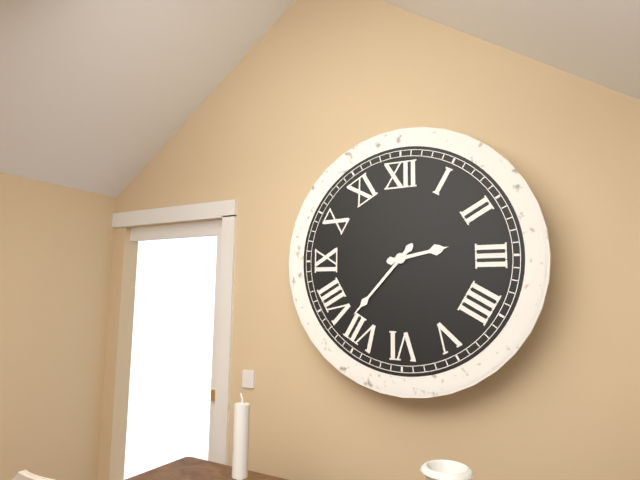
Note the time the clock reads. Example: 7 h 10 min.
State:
2 h 37 min
